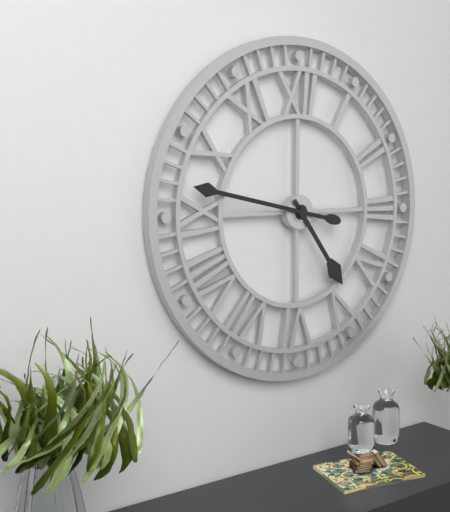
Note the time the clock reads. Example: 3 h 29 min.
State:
4 h 47 min
